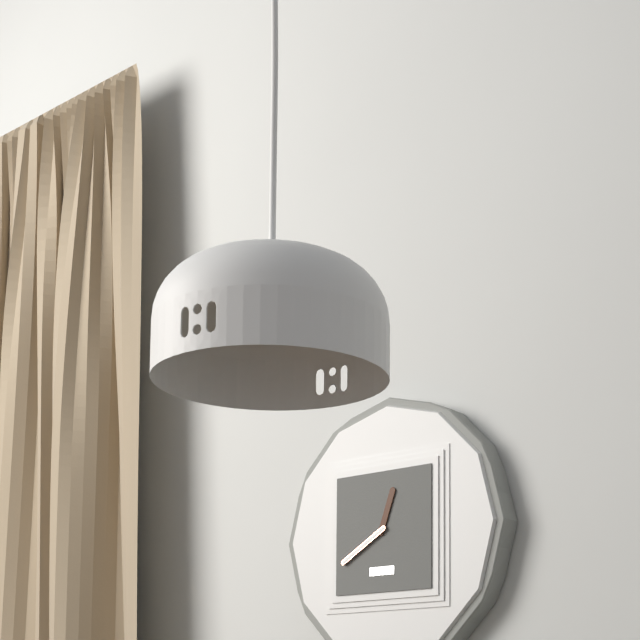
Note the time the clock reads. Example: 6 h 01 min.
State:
12 h 40 min
